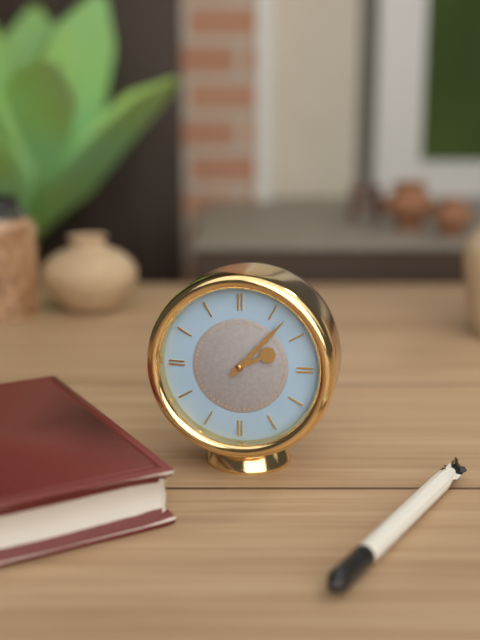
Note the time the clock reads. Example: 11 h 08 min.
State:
2 h 07 min
